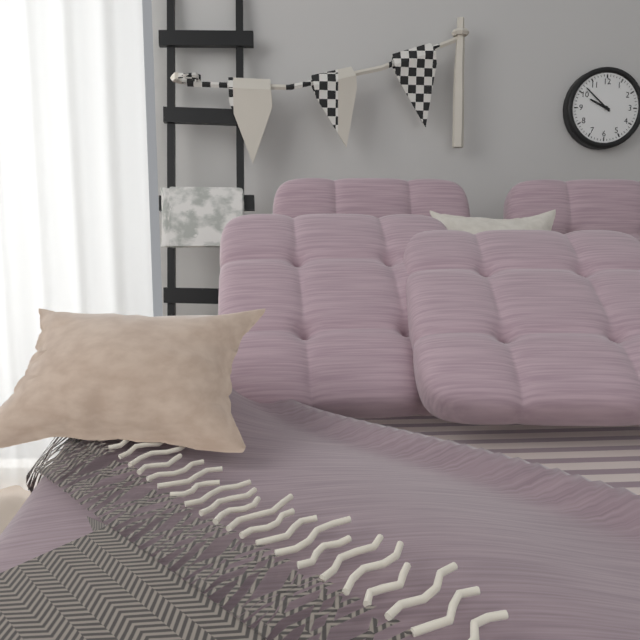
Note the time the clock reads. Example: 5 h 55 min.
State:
9 h 52 min
